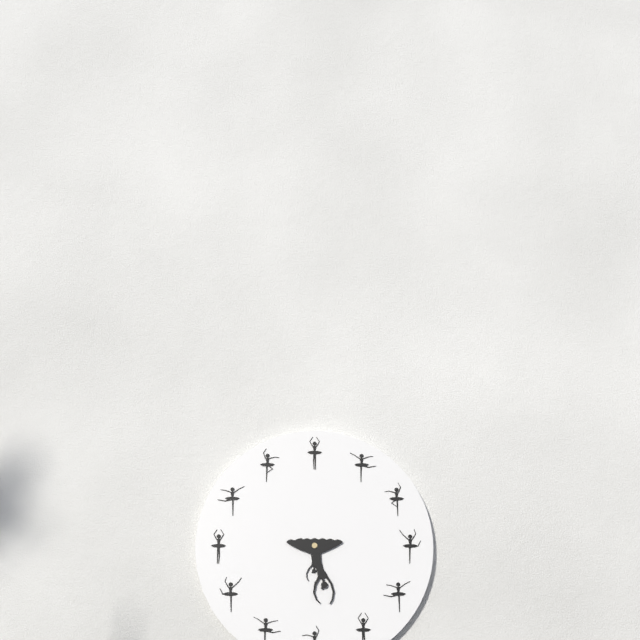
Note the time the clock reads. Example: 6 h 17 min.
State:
6 h 30 min
